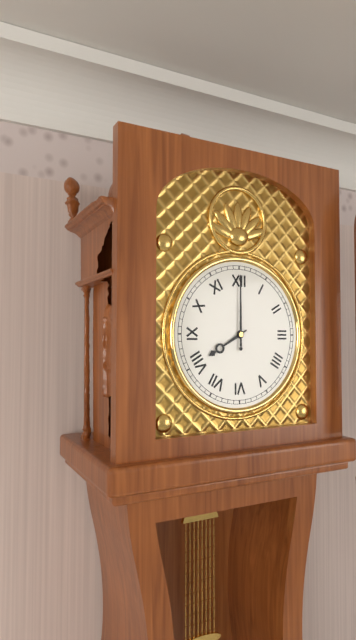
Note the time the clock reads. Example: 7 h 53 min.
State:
8 h 00 min
